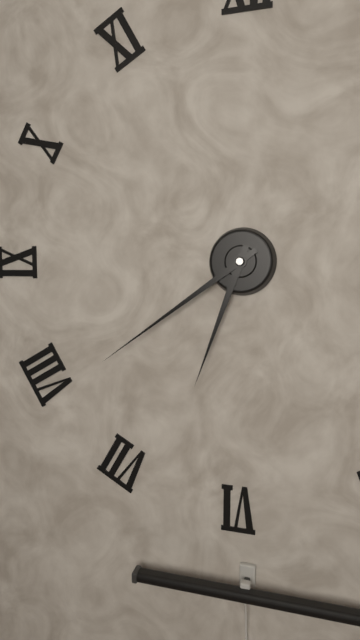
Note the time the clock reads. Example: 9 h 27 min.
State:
6 h 39 min
